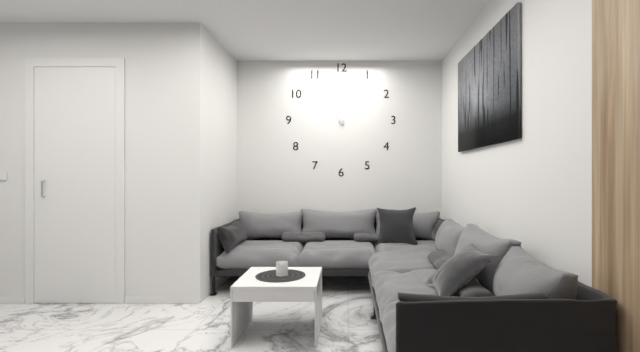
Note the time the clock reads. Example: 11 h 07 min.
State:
11 h 54 min
